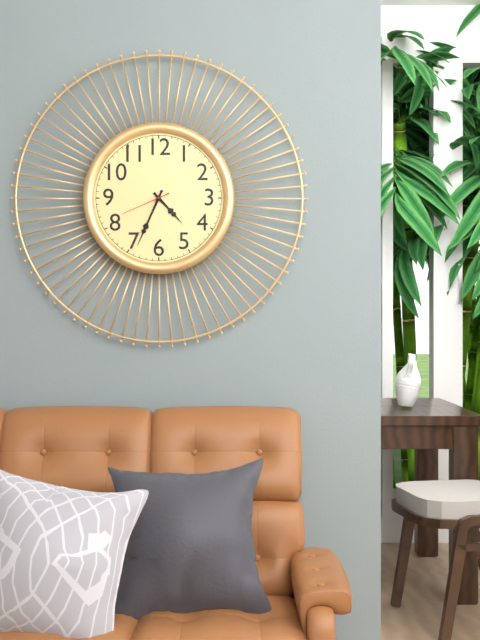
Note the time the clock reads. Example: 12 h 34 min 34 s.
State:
4 h 34 min 41 s
